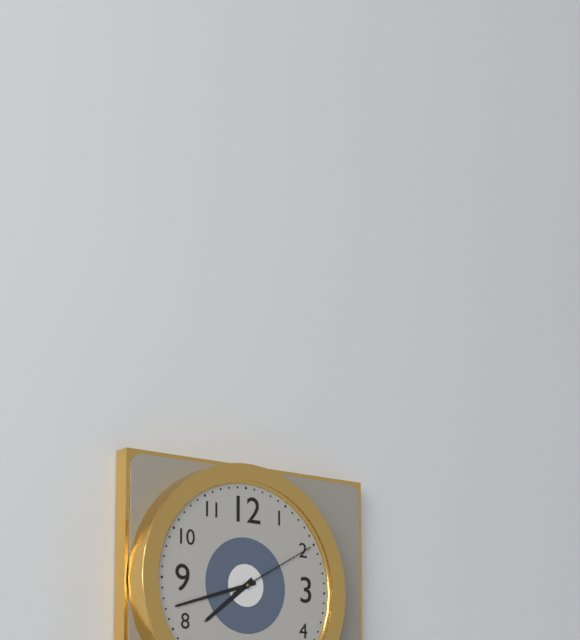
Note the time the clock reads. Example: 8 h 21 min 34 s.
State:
7 h 42 min 10 s
